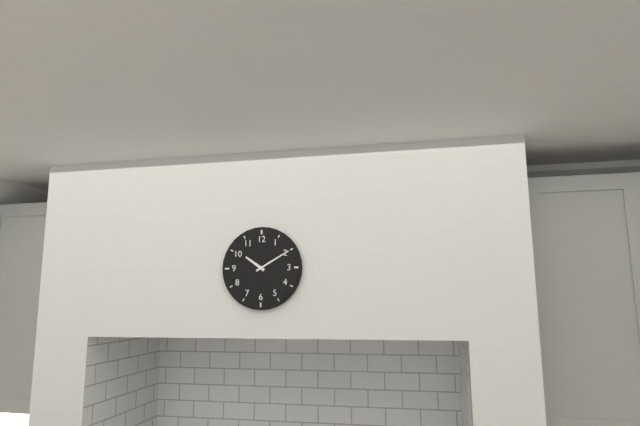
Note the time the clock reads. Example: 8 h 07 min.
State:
10 h 10 min
